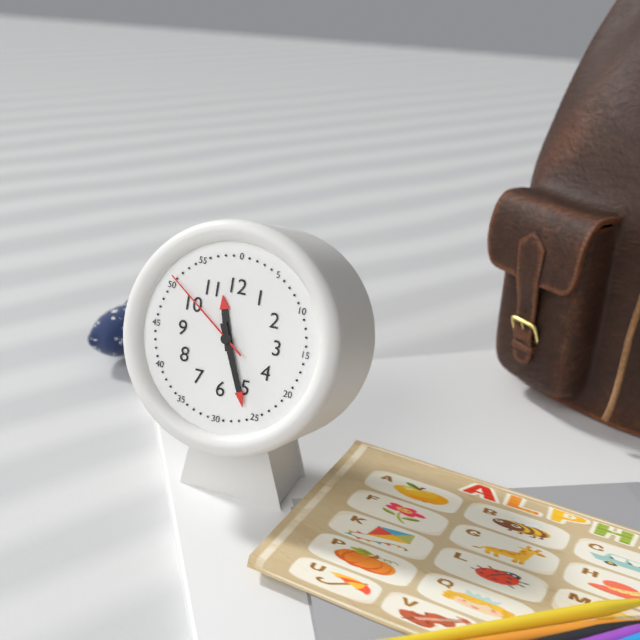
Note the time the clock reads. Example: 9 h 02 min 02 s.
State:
11 h 26 min 51 s
